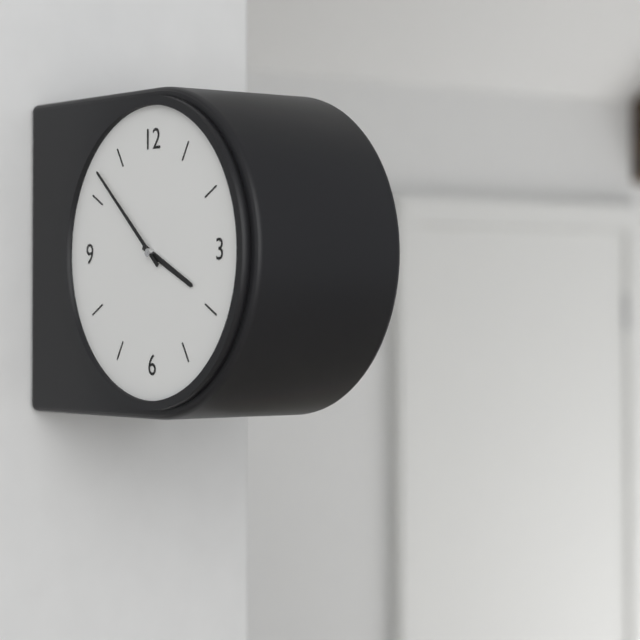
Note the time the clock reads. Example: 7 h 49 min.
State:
3 h 52 min
